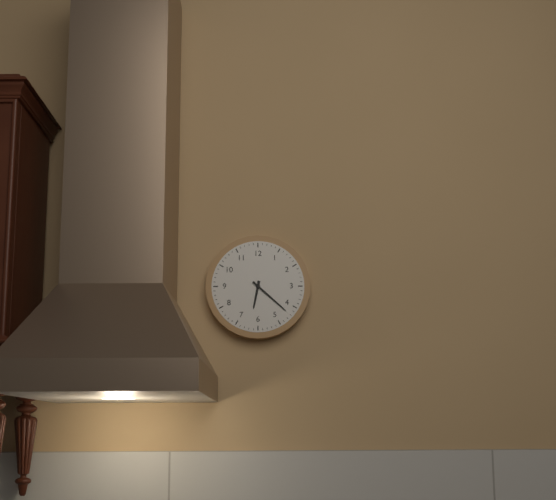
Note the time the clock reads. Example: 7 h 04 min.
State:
6 h 22 min
